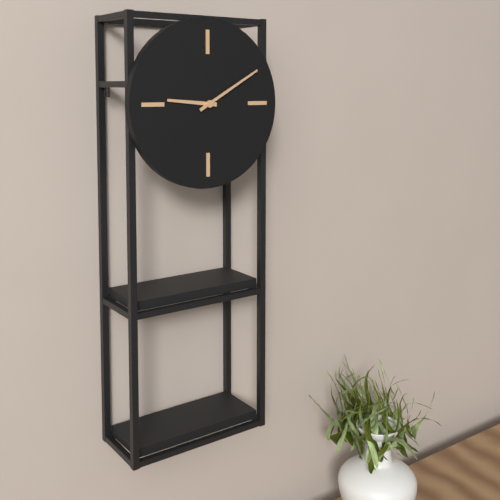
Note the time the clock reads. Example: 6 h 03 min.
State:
9 h 10 min
